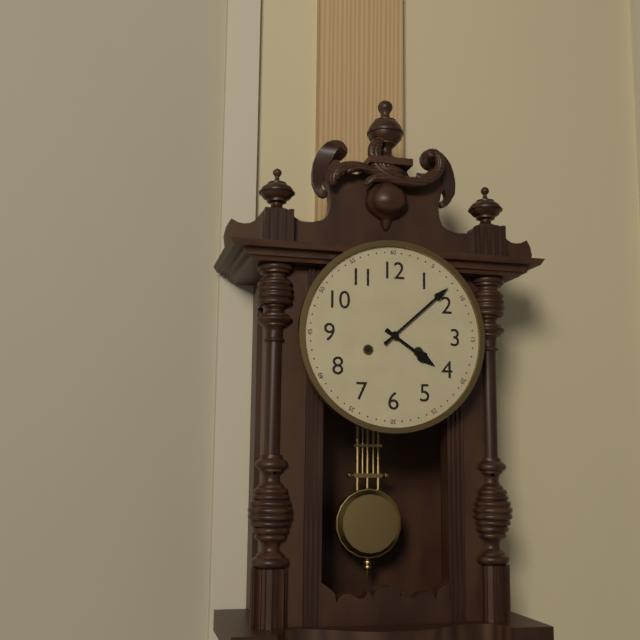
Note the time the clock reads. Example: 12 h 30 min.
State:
4 h 08 min
